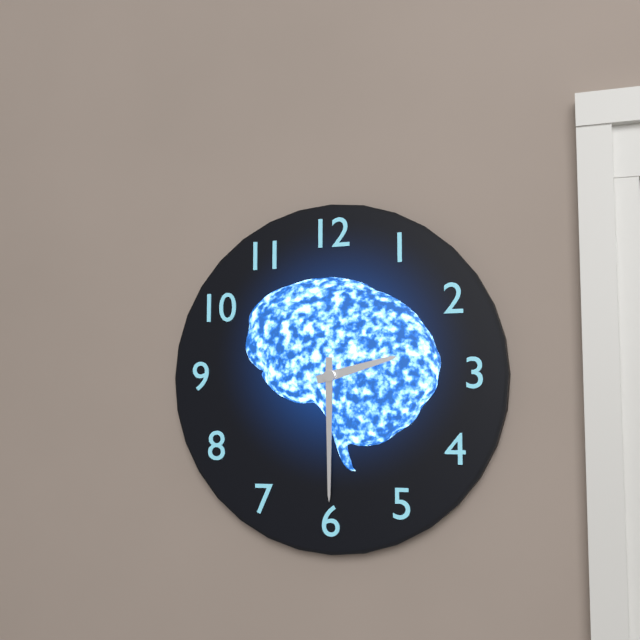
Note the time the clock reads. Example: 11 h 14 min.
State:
2 h 30 min
